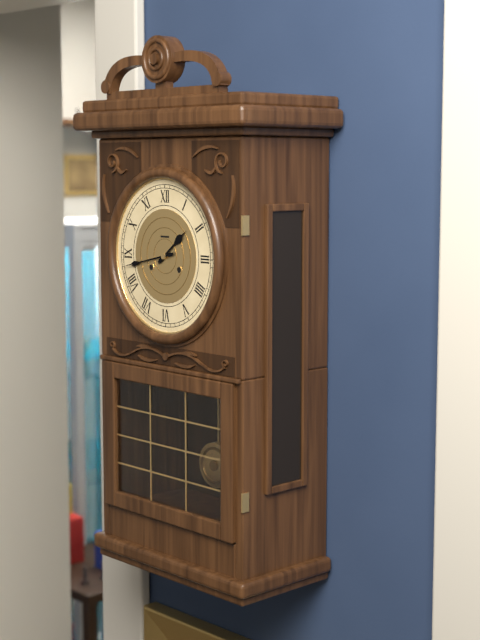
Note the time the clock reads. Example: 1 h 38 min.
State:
1 h 43 min
